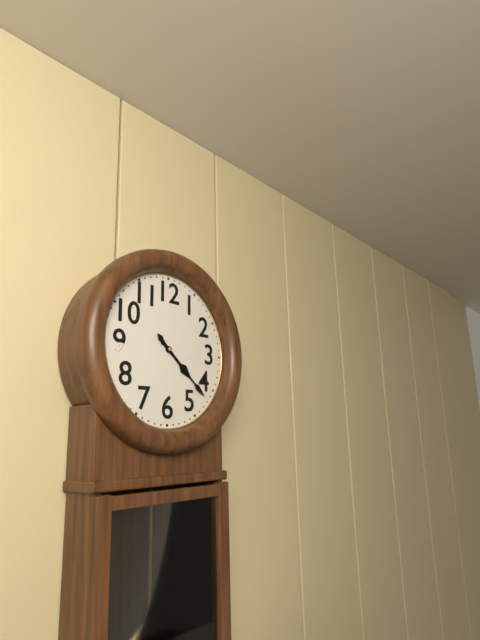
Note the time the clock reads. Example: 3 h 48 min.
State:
4 h 22 min
